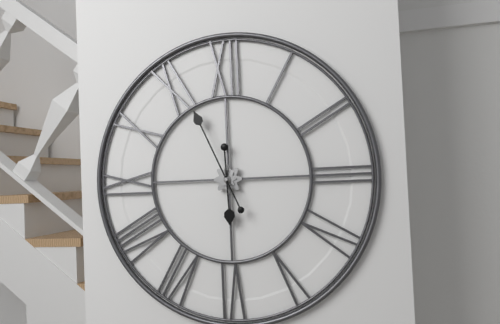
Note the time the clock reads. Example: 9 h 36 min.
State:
5 h 56 min
